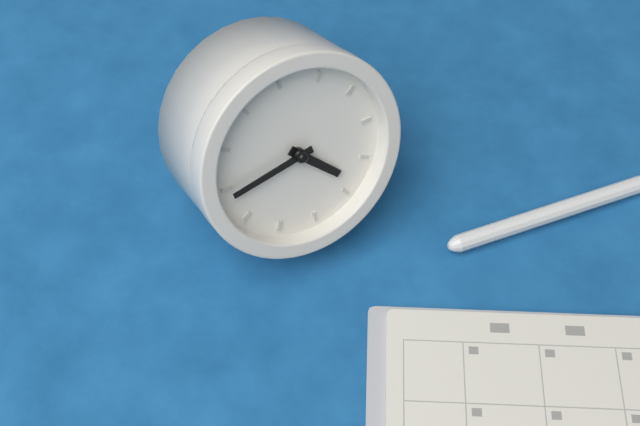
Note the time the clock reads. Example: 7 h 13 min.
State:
3 h 39 min
